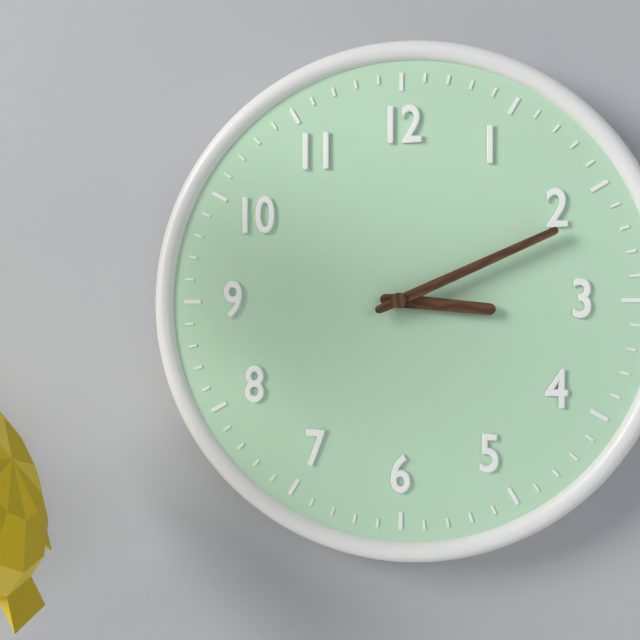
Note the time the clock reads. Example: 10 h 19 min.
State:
3 h 11 min
